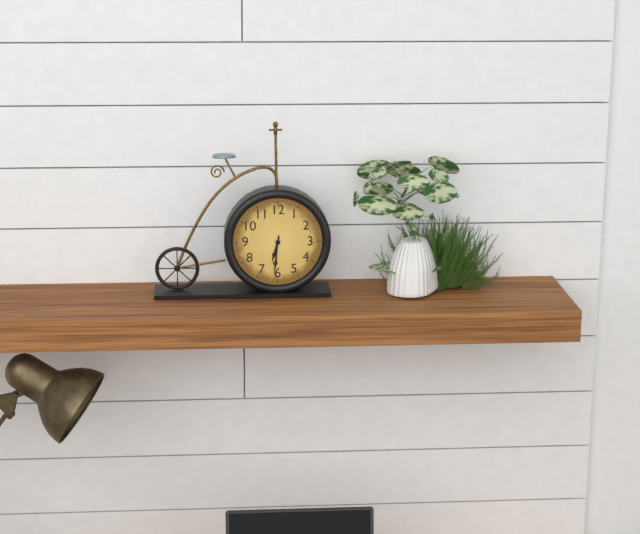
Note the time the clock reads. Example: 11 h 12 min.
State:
6 h 31 min
